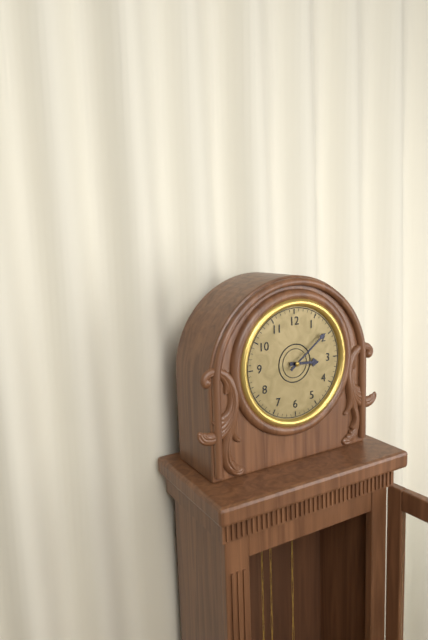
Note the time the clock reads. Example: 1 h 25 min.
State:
3 h 09 min
